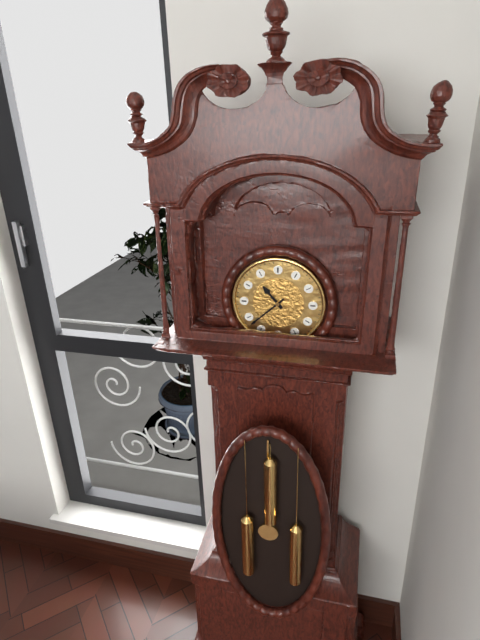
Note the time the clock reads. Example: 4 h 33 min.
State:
10 h 38 min
